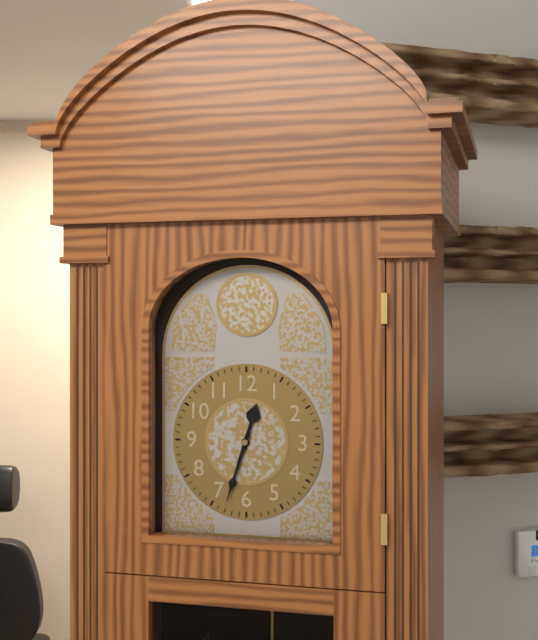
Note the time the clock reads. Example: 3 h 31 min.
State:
12 h 33 min
